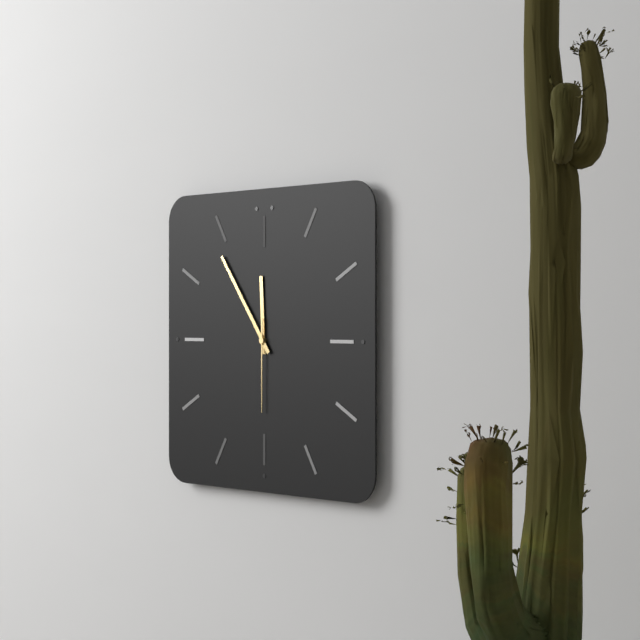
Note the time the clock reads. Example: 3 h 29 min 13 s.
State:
11 h 54 min 30 s
